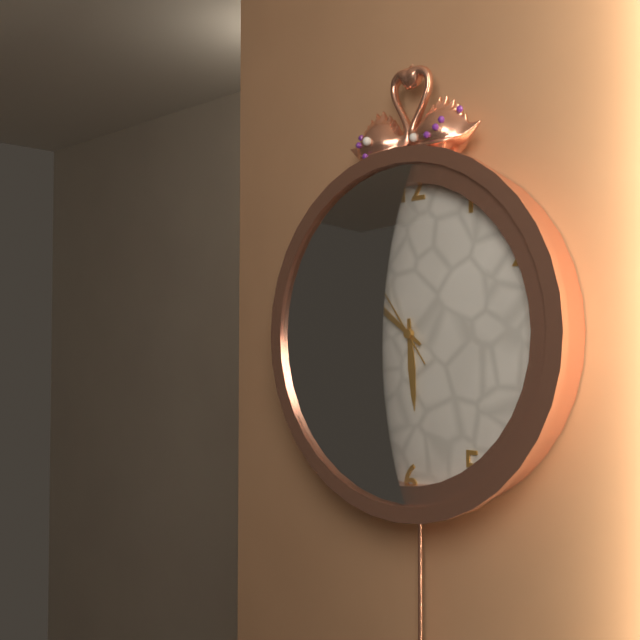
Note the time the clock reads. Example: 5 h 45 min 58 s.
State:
5 h 51 min 54 s
